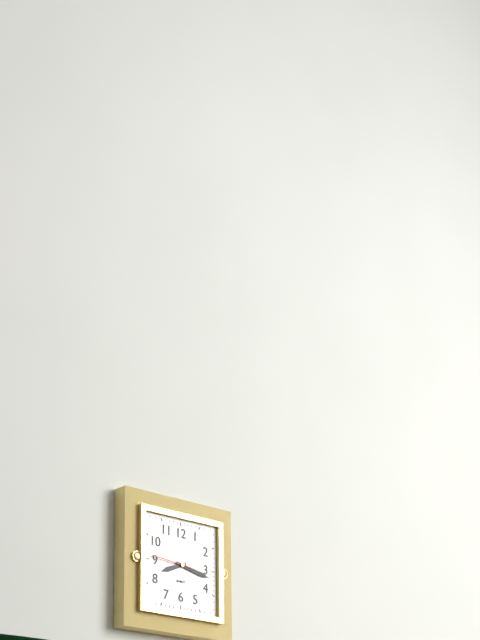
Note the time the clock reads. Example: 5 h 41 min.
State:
8 h 17 min
